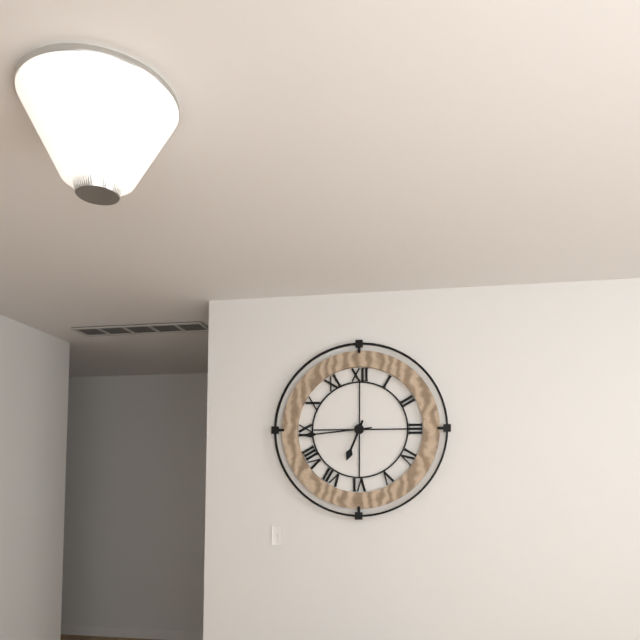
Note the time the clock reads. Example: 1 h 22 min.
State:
6 h 44 min
